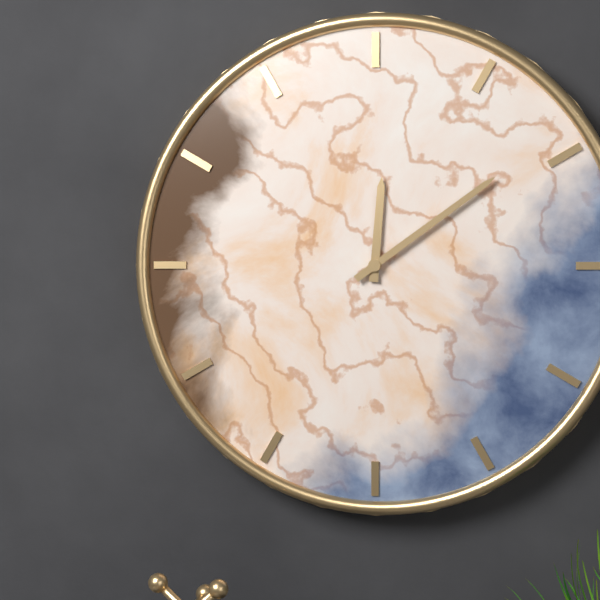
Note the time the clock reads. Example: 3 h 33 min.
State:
12 h 09 min
